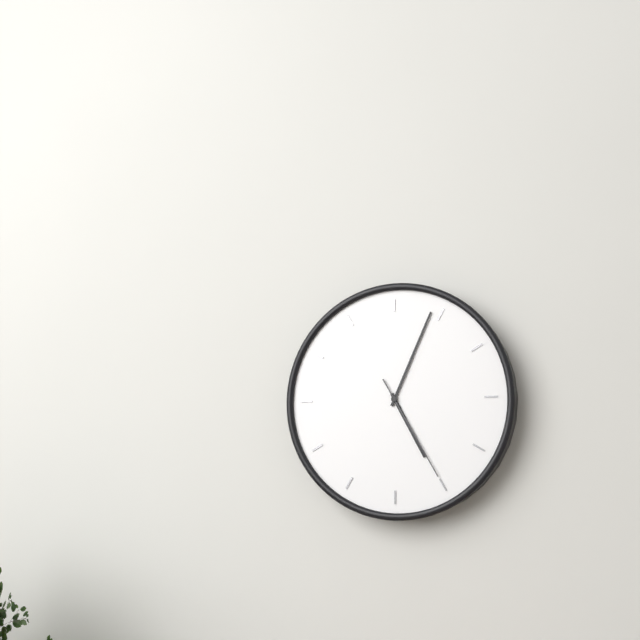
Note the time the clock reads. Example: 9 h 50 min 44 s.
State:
5 h 04 min 25 s
